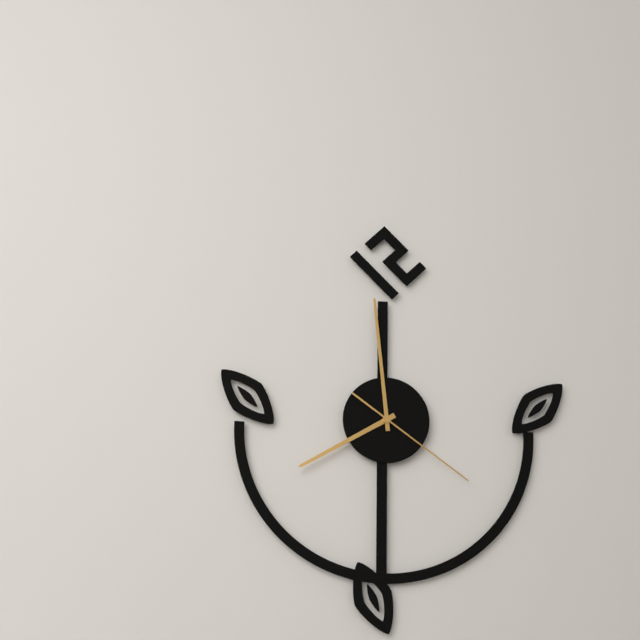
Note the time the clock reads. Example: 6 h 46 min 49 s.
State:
7 h 59 min 21 s
